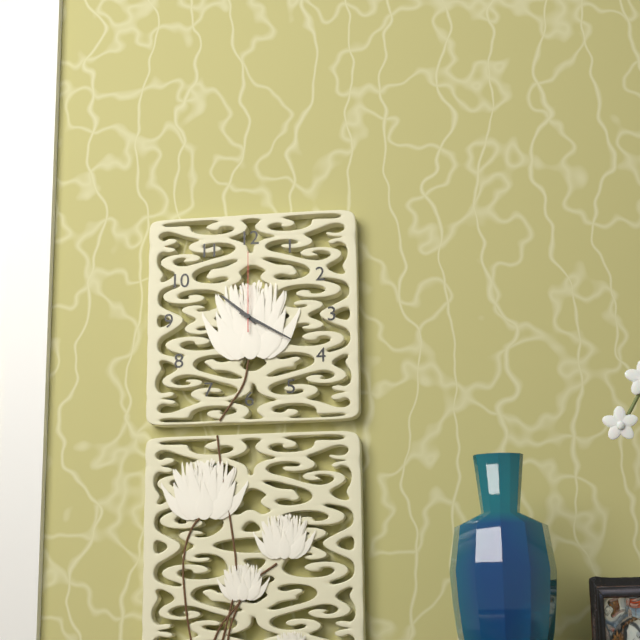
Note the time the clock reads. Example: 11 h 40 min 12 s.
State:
10 h 20 min 00 s
